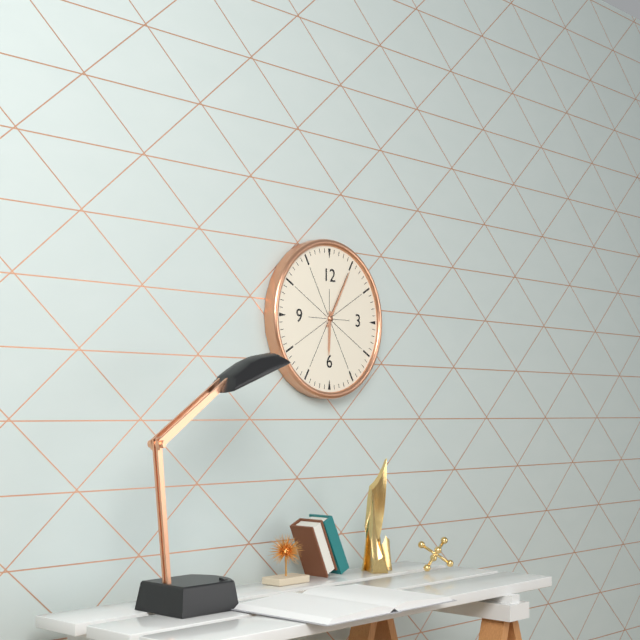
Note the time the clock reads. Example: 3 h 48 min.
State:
6 h 05 min
